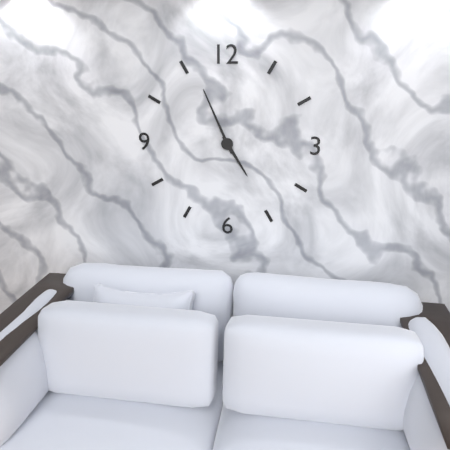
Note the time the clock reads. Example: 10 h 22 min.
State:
4 h 56 min
